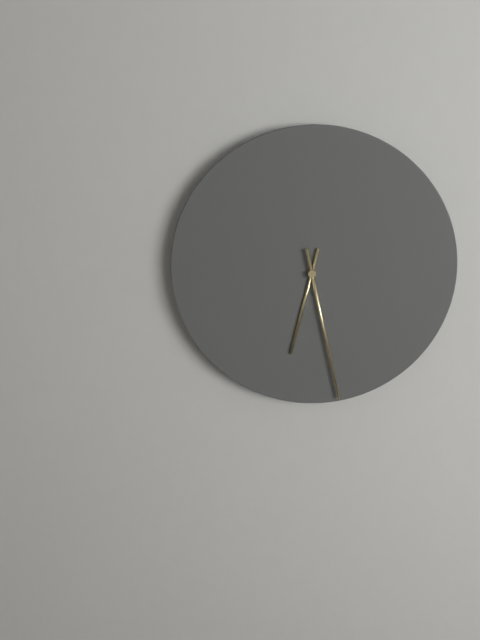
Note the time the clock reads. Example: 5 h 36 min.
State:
6 h 28 min
